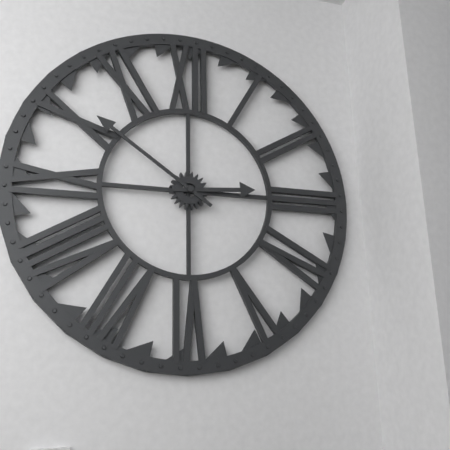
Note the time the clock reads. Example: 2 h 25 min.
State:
2 h 51 min
